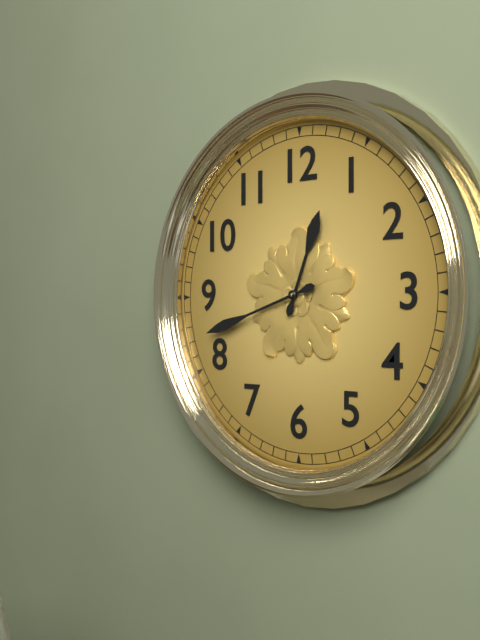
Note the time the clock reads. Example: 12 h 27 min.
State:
12 h 42 min
